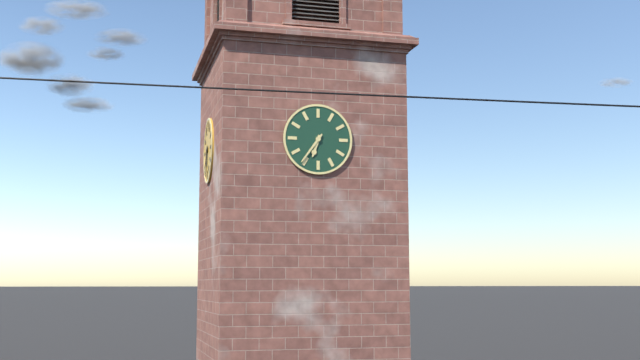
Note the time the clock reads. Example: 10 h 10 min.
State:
6 h 36 min
